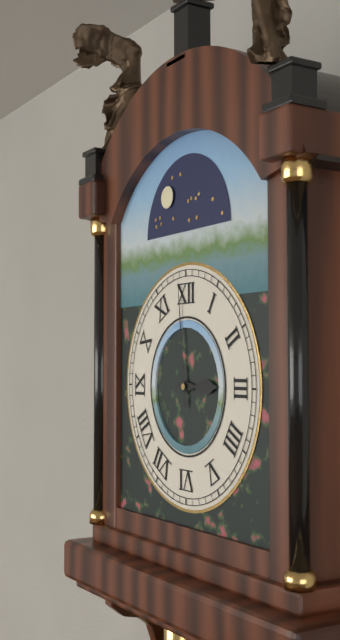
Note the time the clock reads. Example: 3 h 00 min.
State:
2 h 59 min
